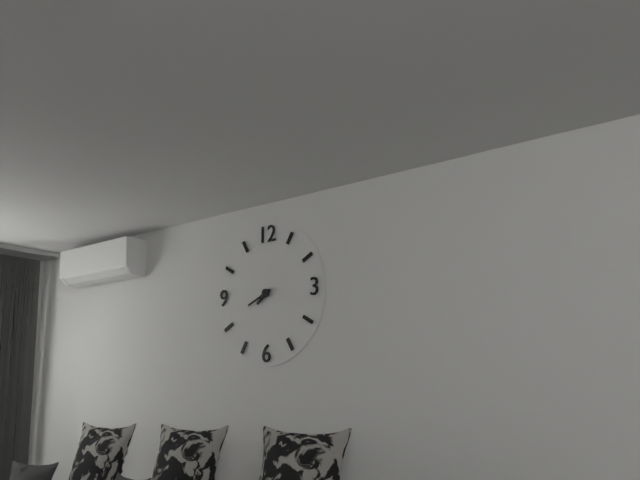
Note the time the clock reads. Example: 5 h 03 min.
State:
7 h 41 min
